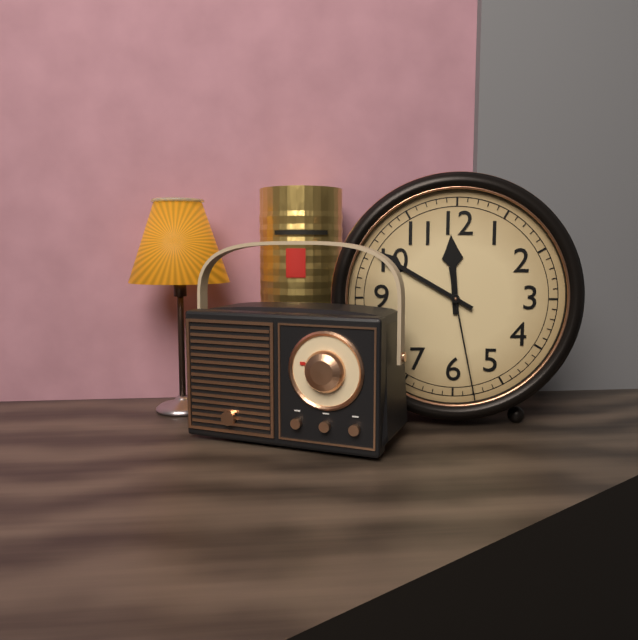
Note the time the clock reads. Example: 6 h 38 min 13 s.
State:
11 h 50 min 28 s
